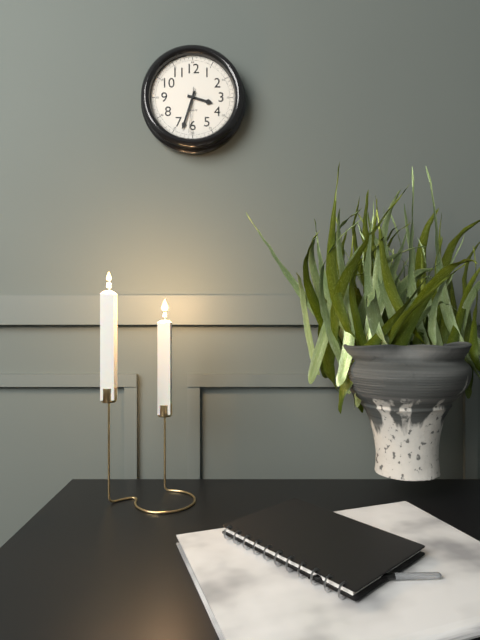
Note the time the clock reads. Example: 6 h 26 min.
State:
3 h 33 min
